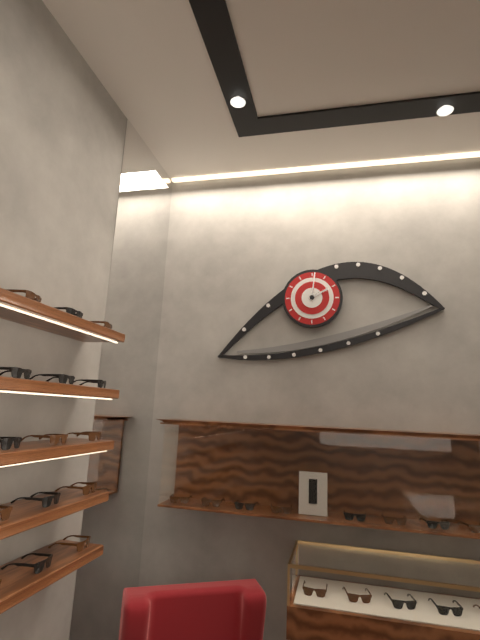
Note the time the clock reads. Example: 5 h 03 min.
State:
2 h 01 min
